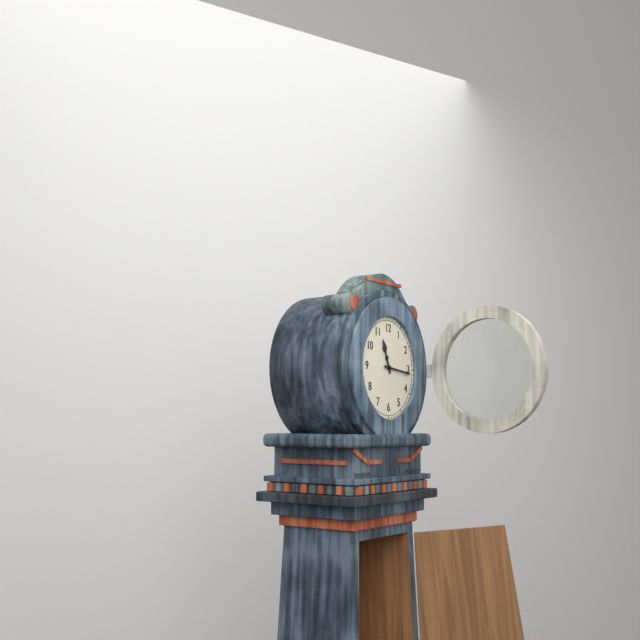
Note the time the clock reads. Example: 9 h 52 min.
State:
11 h 16 min
